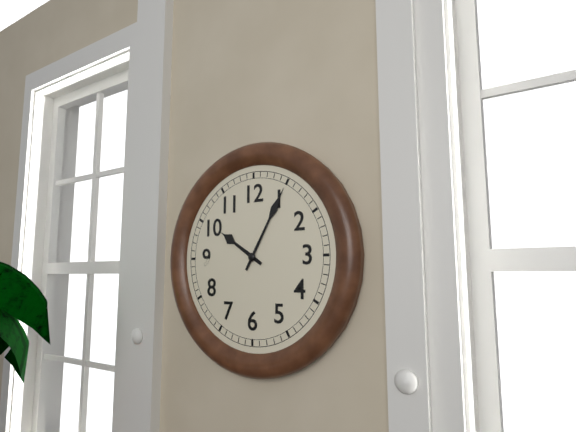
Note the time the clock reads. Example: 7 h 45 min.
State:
10 h 05 min
